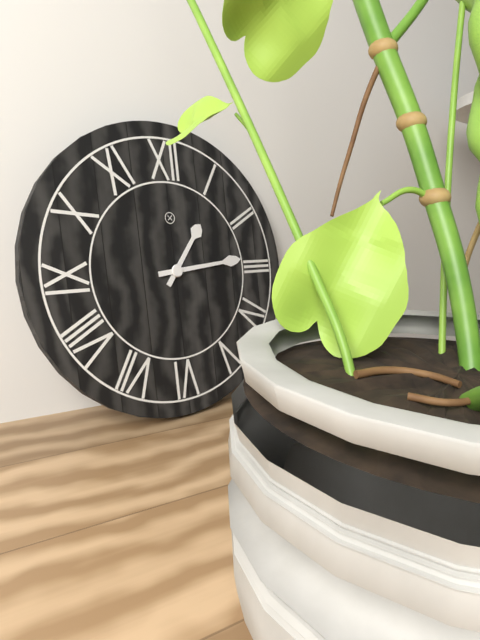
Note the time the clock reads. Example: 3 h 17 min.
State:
1 h 14 min
